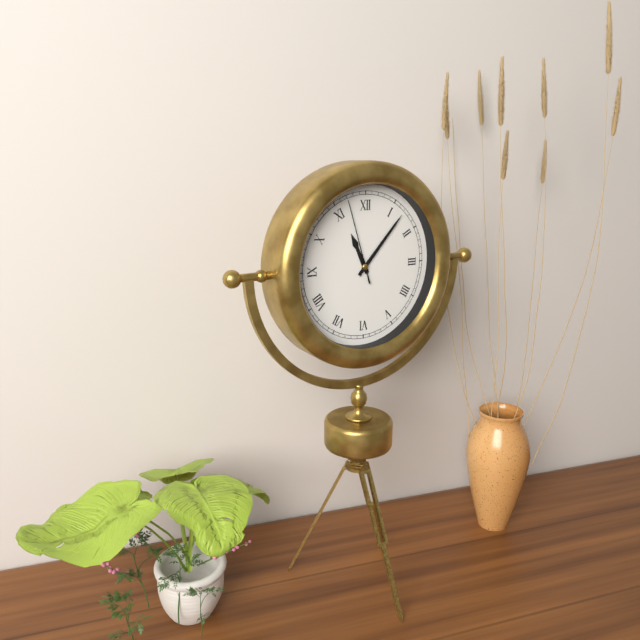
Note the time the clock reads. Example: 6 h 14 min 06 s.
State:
11 h 07 min 57 s
